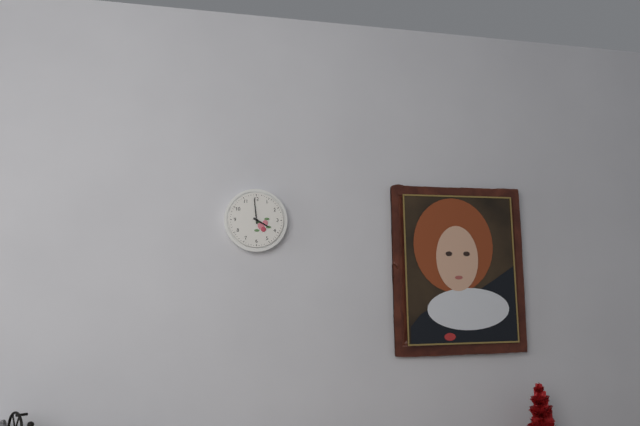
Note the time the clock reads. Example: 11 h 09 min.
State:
3 h 59 min
